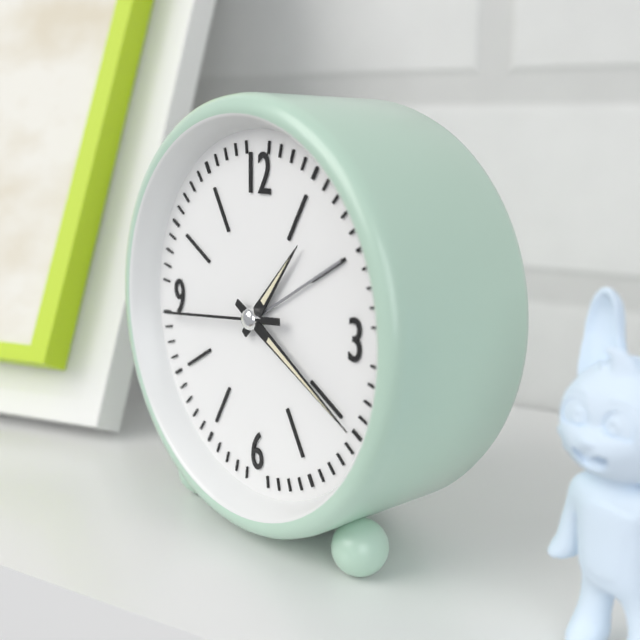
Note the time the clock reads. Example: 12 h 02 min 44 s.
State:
1 h 20 min 44 s
